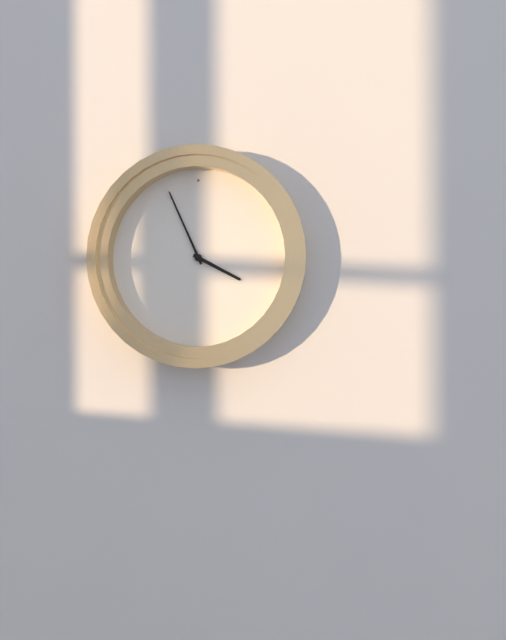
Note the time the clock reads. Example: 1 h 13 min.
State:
3 h 56 min
